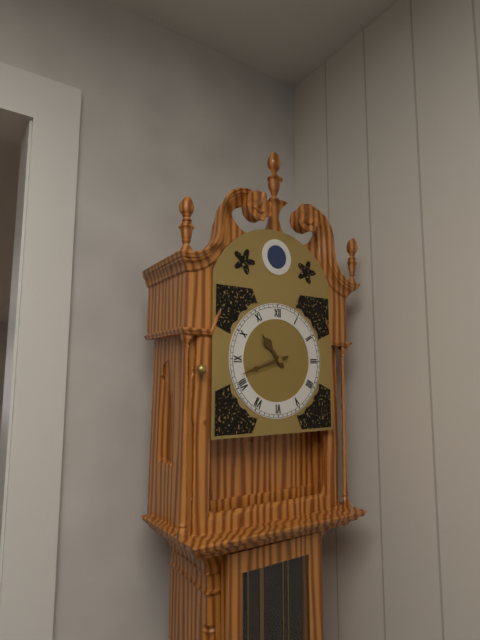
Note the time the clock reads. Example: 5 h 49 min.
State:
10 h 42 min
